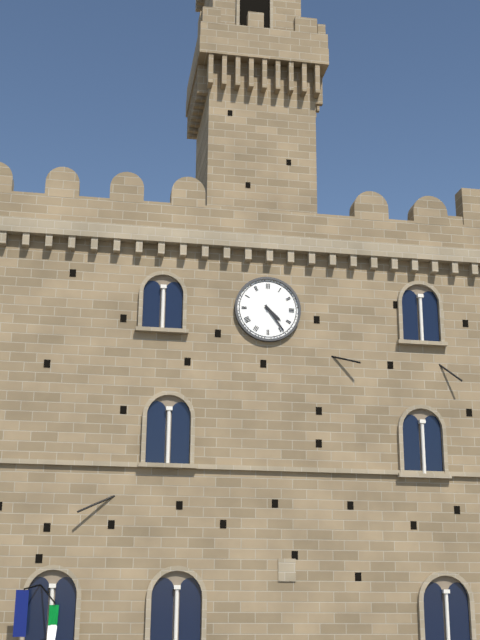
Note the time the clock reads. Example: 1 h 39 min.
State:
4 h 24 min
